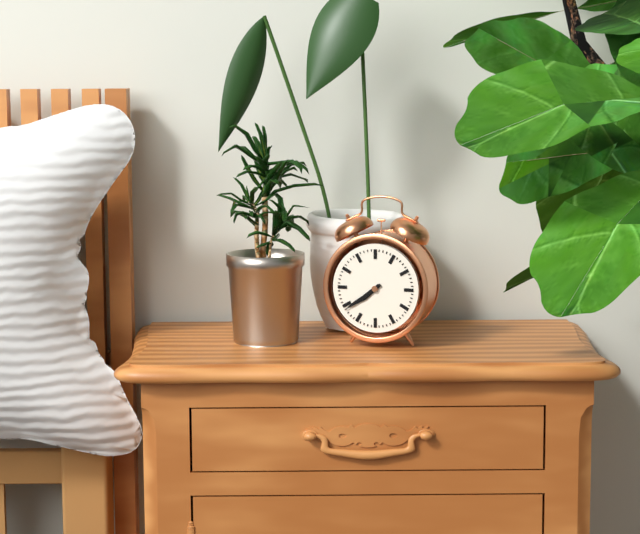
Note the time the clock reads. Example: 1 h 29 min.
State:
7 h 39 min
